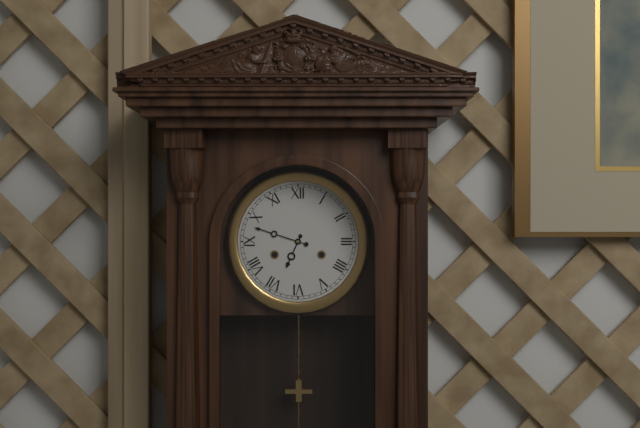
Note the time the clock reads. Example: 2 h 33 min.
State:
6 h 48 min
